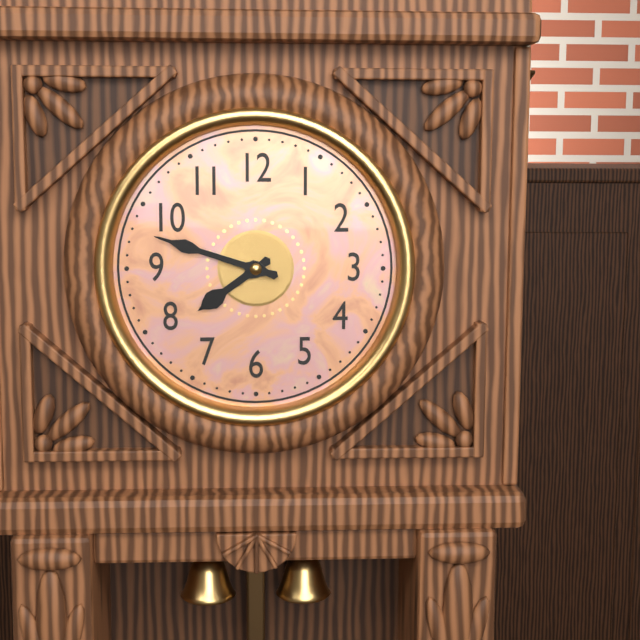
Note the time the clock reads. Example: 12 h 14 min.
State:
7 h 48 min
